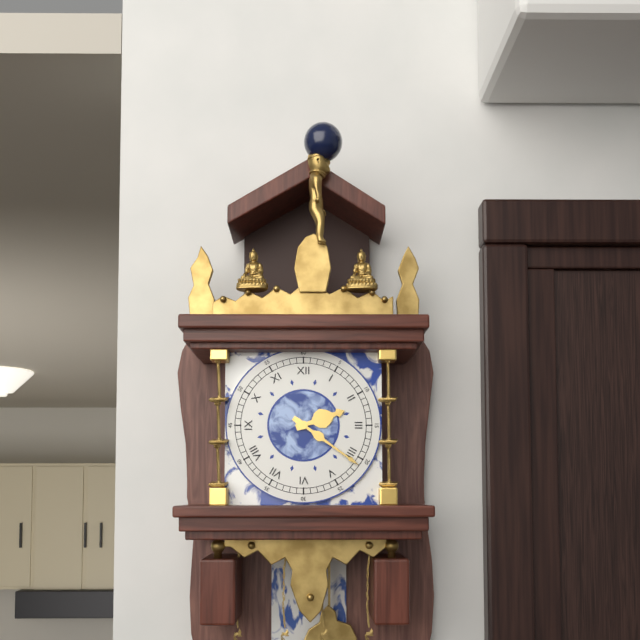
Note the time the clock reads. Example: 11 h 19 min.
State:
2 h 21 min
